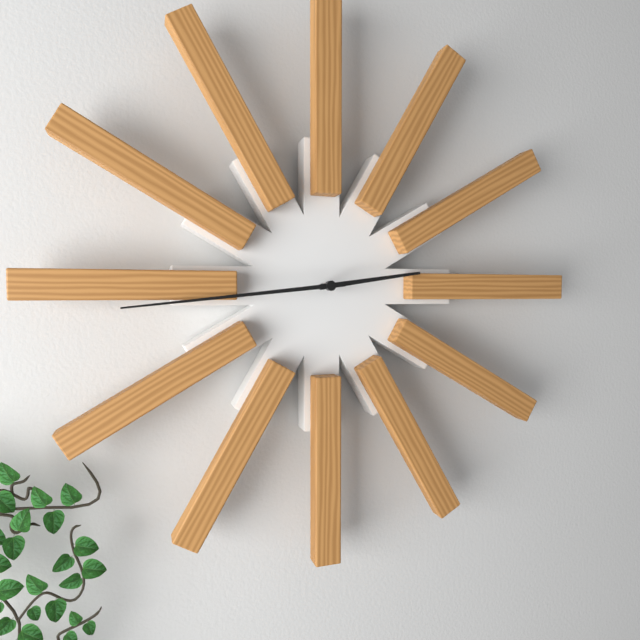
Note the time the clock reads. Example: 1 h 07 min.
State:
2 h 44 min
